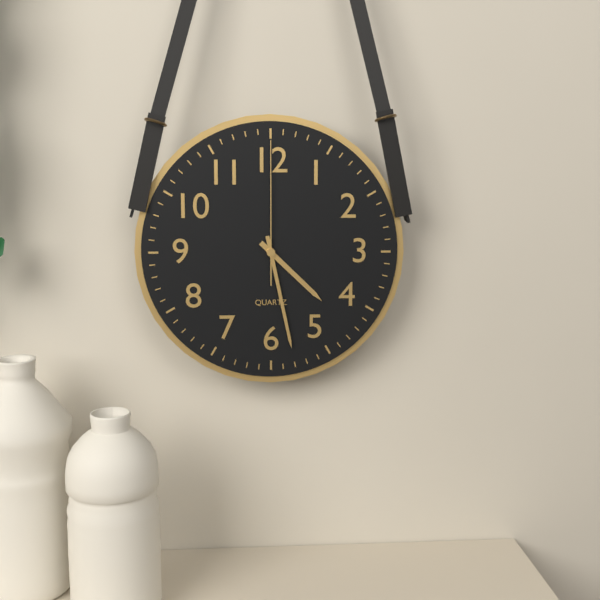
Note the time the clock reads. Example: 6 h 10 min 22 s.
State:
4 h 28 min 00 s
